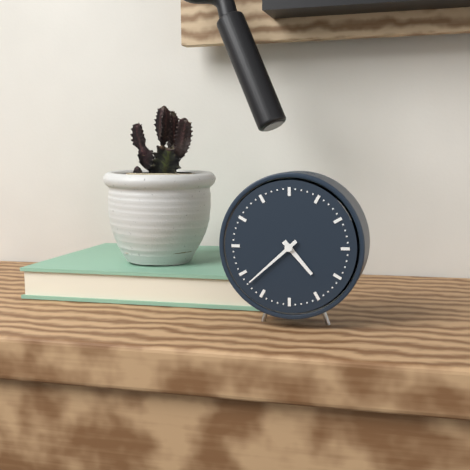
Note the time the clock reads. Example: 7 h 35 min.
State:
4 h 38 min
